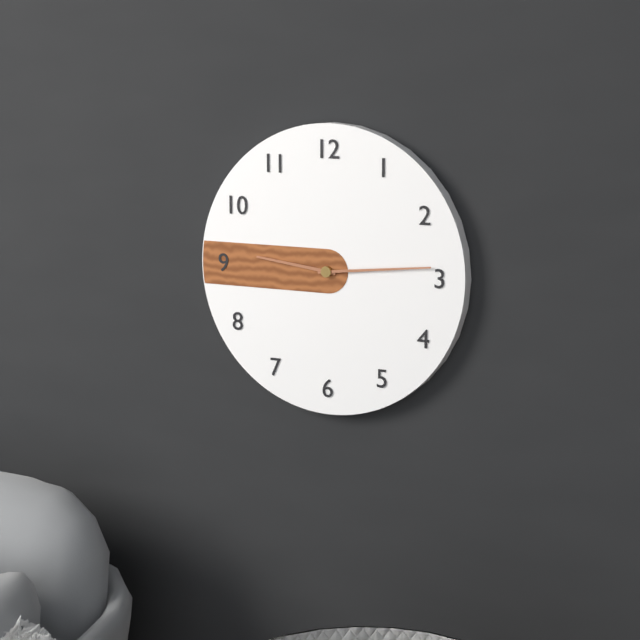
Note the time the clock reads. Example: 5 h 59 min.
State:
9 h 14 min
